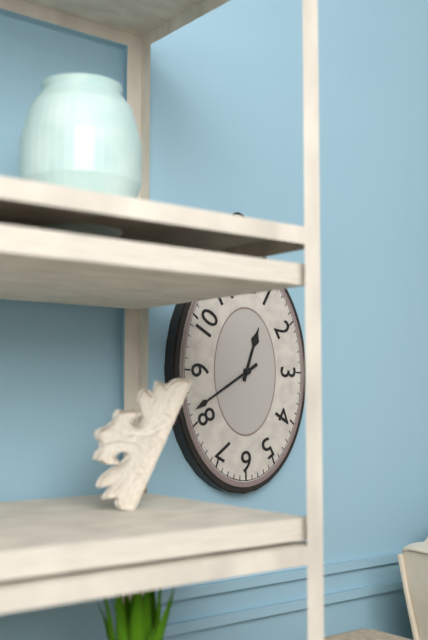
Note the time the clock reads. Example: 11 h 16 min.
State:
12 h 40 min
